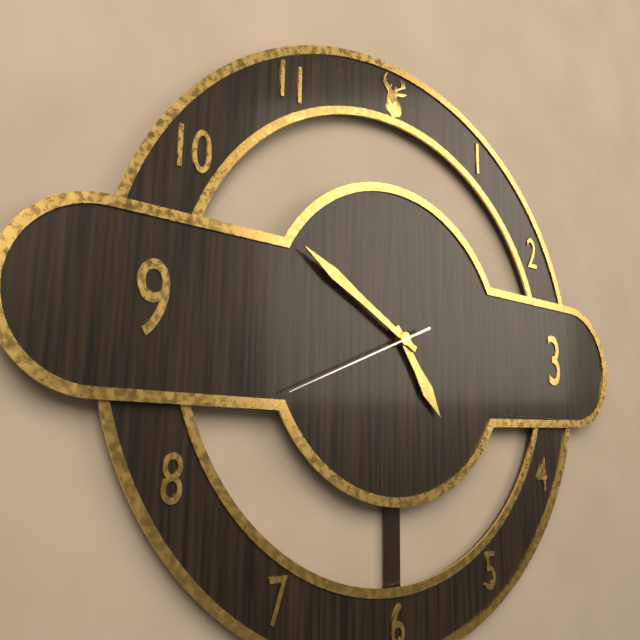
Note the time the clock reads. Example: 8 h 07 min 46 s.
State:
4 h 50 min 41 s
